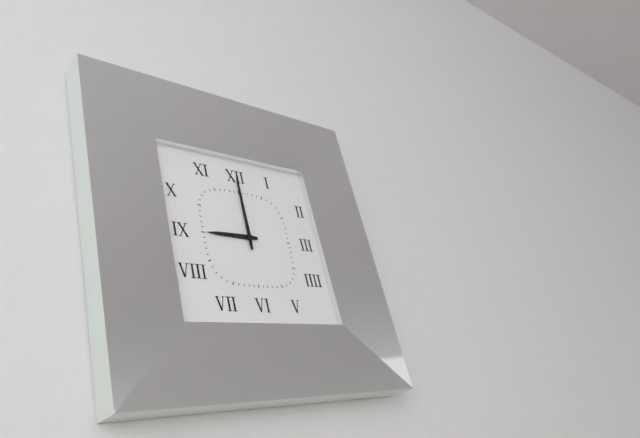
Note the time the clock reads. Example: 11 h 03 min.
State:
9 h 00 min
